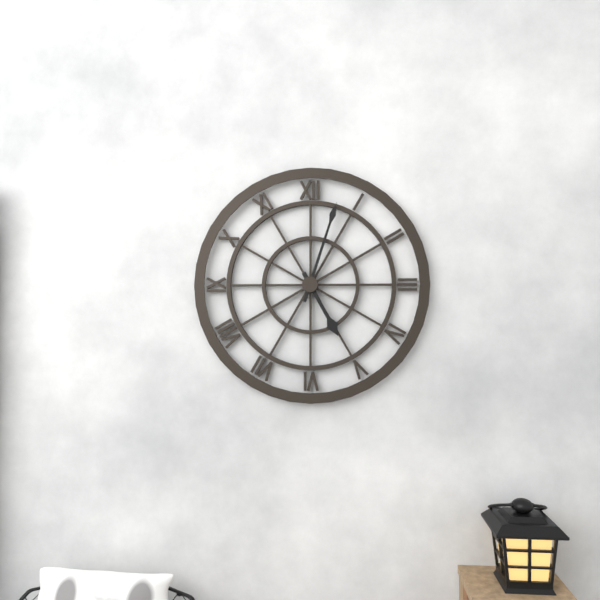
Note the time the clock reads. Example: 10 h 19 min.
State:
5 h 03 min
